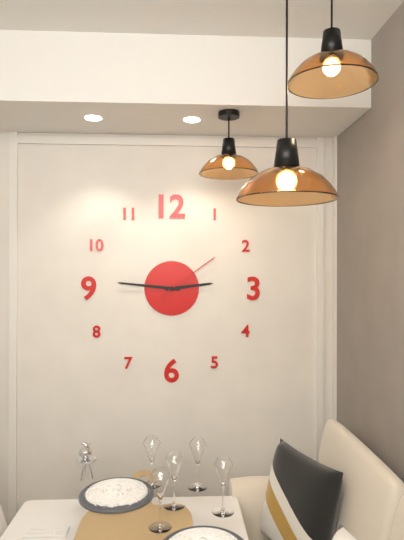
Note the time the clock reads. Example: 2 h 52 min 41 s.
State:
2 h 46 min 09 s
